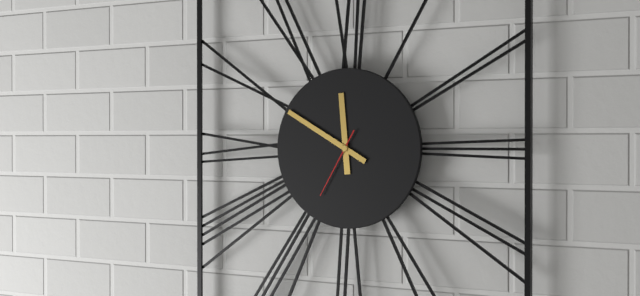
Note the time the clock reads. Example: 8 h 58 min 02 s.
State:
11 h 50 min 35 s
